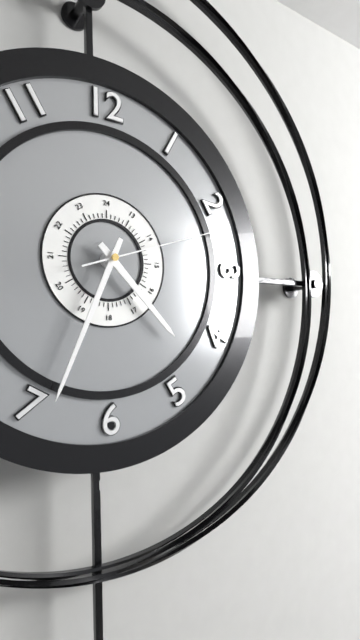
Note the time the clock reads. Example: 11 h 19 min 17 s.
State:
4 h 34 min 12 s
